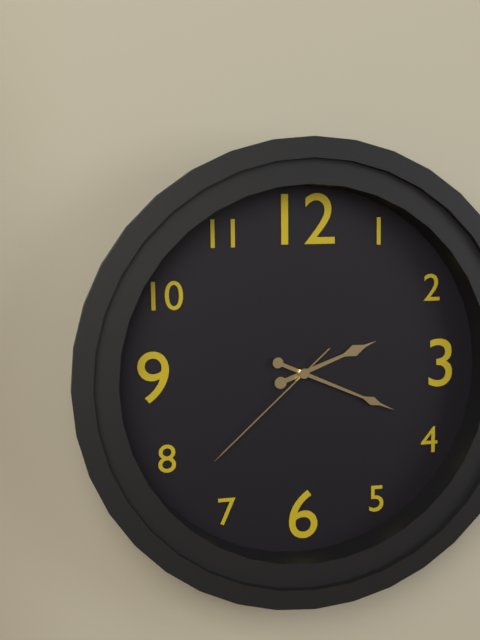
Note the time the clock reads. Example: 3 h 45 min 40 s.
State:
2 h 19 min 38 s
